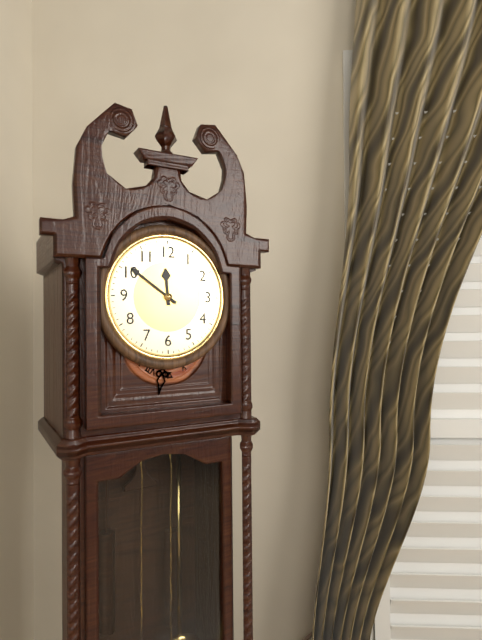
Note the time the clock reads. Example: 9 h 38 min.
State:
11 h 51 min
